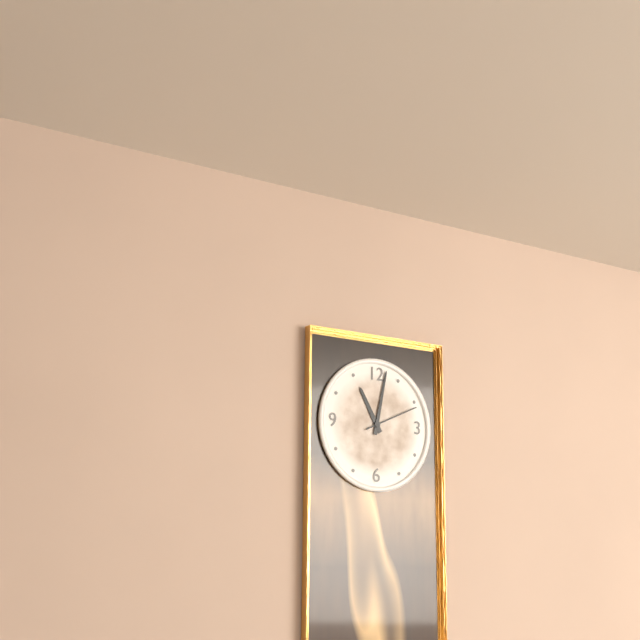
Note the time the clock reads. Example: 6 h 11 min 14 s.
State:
11 h 02 min 11 s
